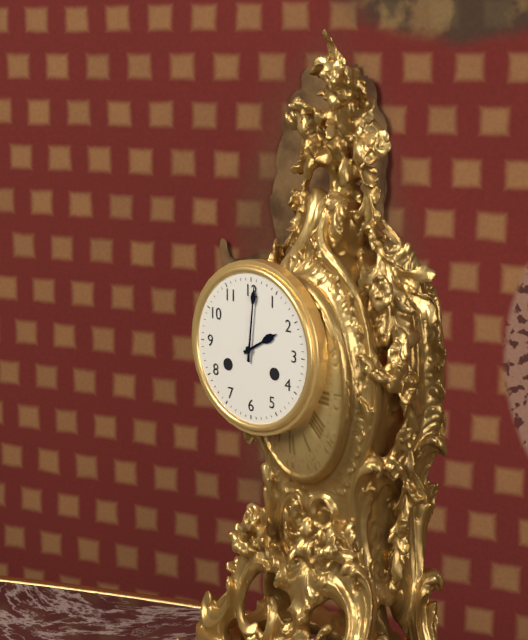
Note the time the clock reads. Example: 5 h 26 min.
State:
2 h 01 min
